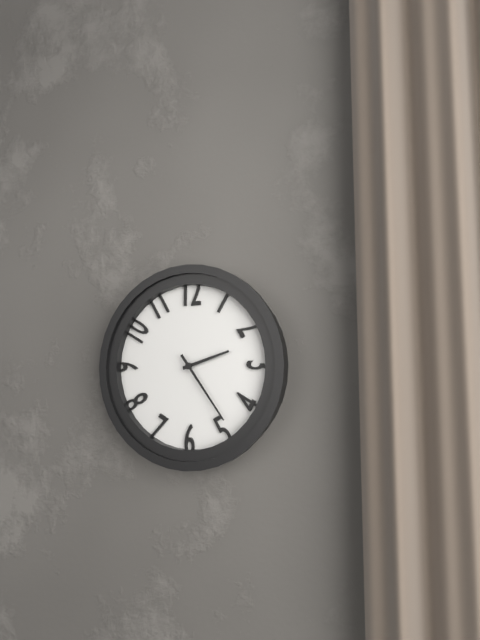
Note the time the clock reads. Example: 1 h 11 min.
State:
2 h 24 min
